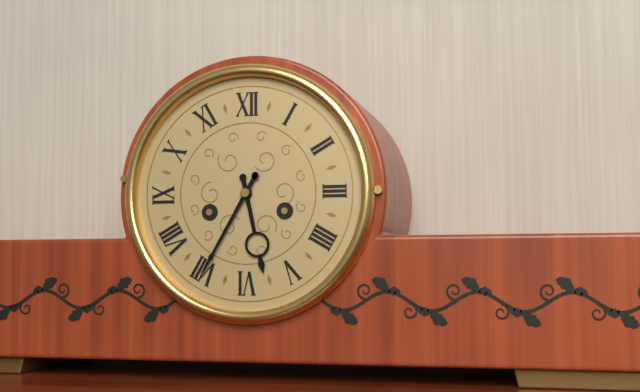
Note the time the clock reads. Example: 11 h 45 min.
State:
5 h 35 min
